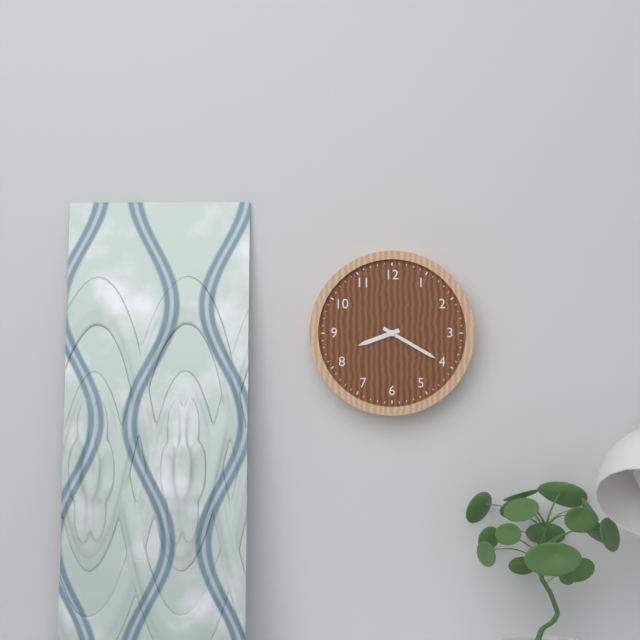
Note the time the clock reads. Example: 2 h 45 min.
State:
8 h 20 min
